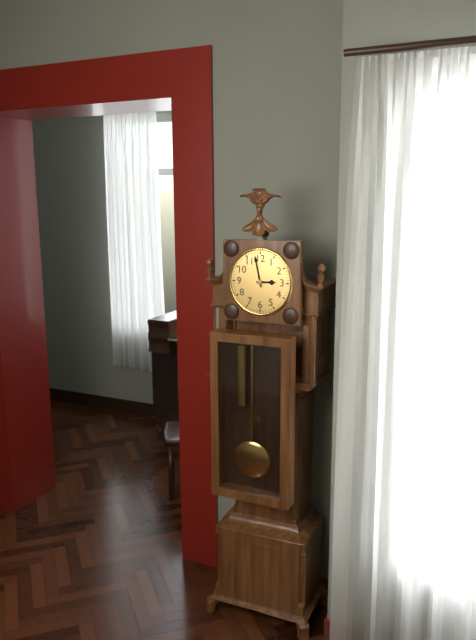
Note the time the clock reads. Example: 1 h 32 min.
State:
2 h 58 min
